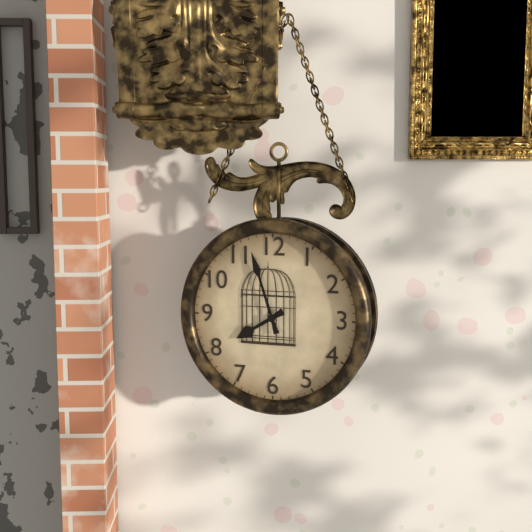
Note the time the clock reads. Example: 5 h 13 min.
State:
7 h 57 min
